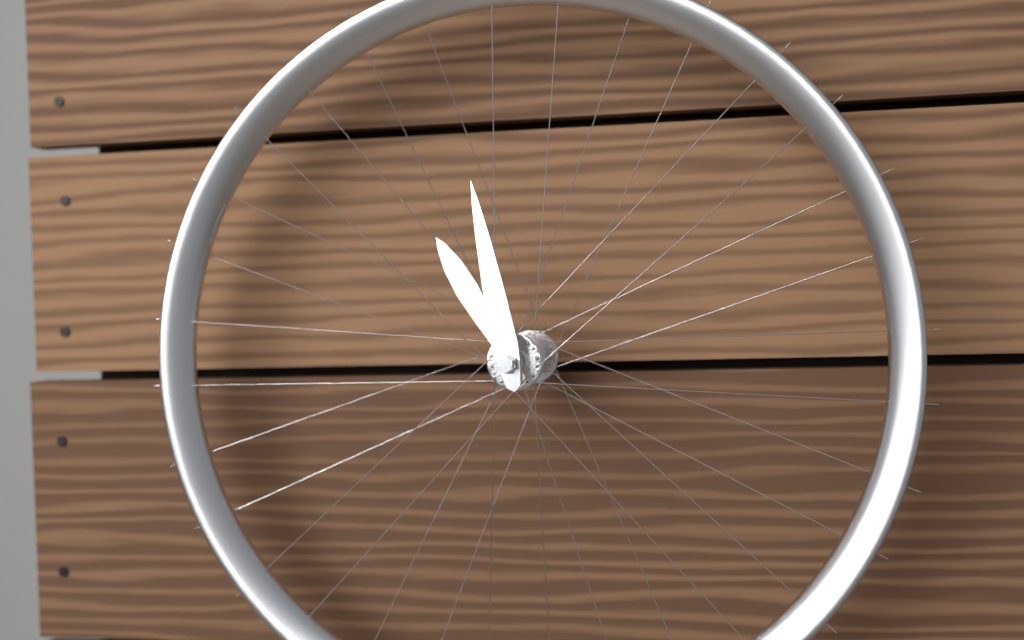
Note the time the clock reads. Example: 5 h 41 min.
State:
10 h 58 min
